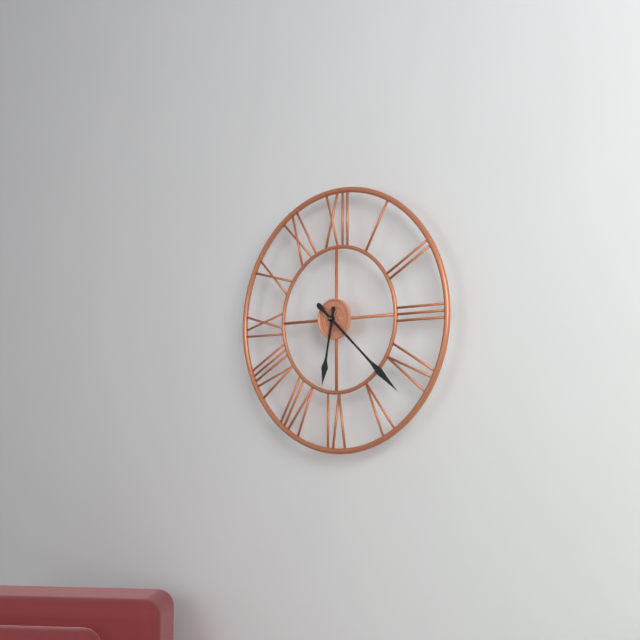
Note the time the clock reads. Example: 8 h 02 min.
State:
6 h 22 min
